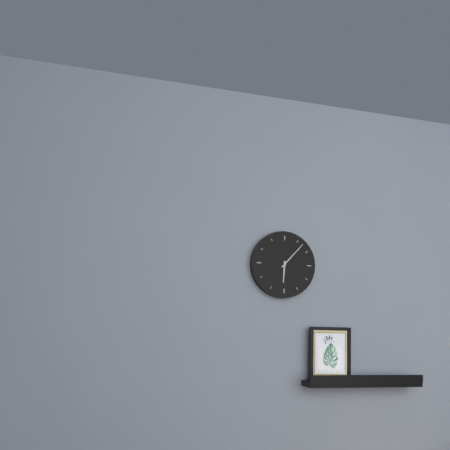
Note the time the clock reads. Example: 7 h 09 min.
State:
6 h 07 min
